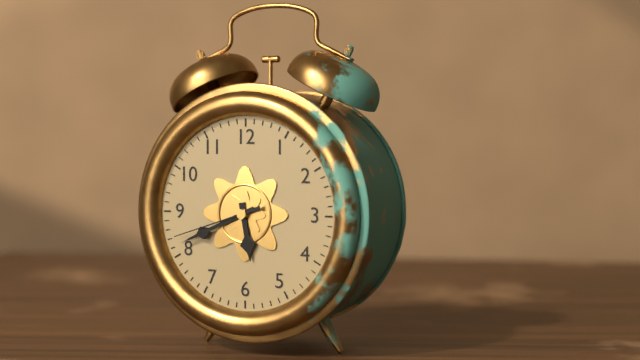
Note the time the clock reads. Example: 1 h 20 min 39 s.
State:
5 h 41 min 42 s
